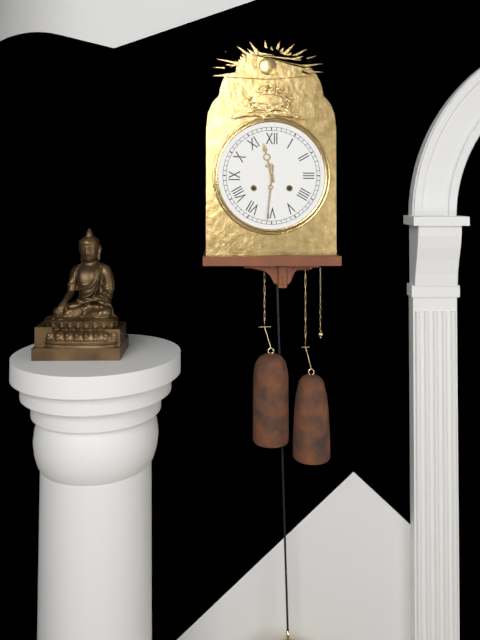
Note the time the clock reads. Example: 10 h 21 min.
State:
11 h 31 min
